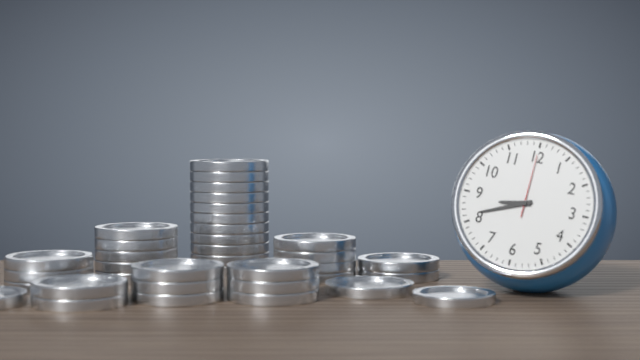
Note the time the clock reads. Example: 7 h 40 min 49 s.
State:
8 h 41 min 00 s
